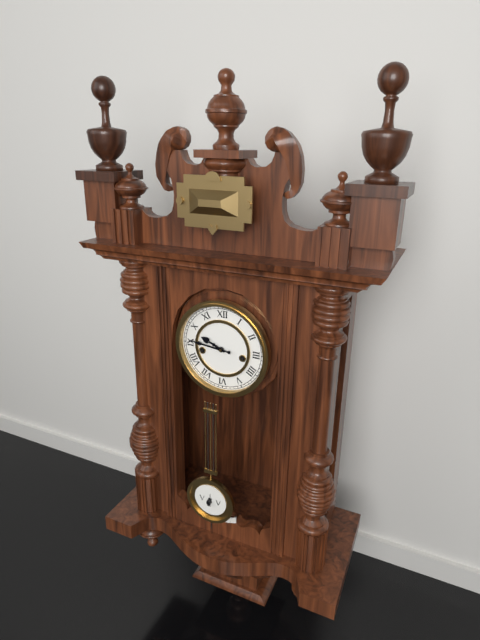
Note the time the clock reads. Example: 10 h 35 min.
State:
9 h 46 min
